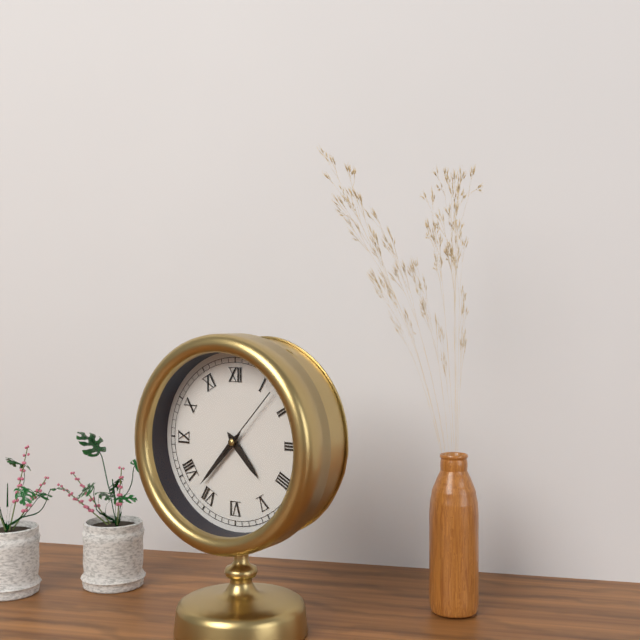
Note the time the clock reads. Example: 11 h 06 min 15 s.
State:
4 h 37 min 07 s
